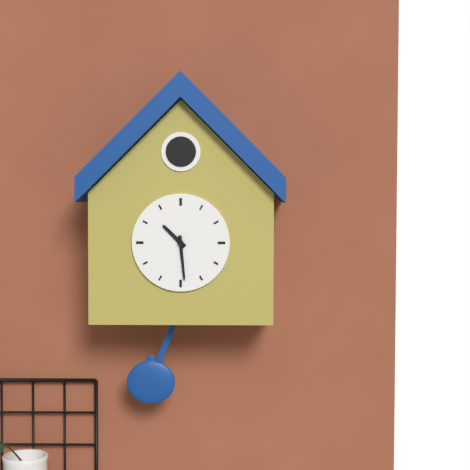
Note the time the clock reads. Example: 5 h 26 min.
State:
10 h 29 min
